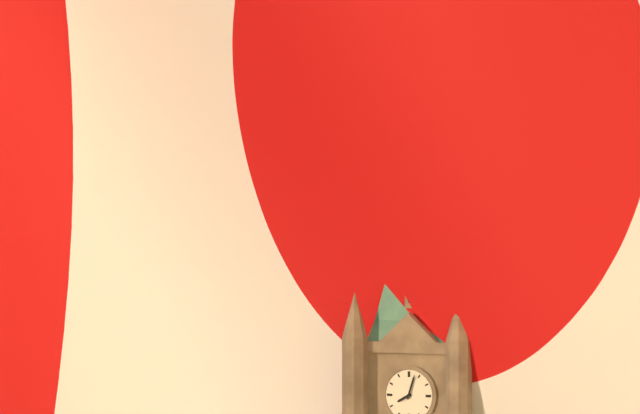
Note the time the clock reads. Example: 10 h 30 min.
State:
8 h 03 min
